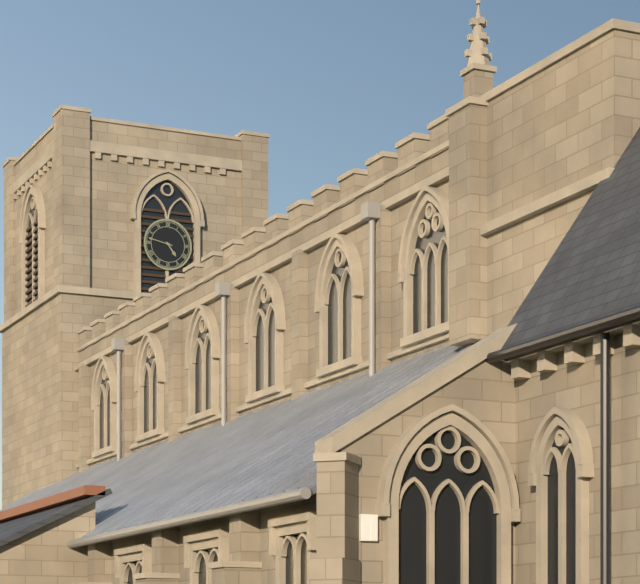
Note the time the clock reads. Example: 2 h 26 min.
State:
4 h 47 min
